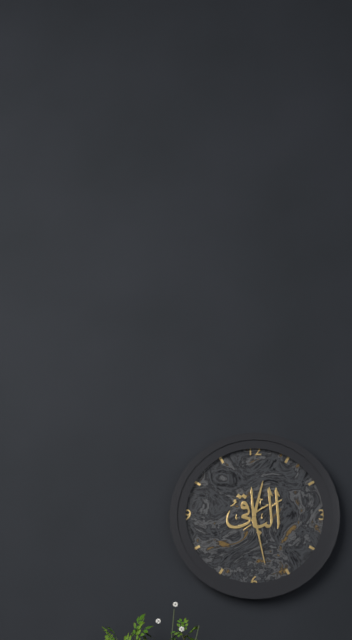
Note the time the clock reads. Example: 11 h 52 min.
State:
12 h 28 min
